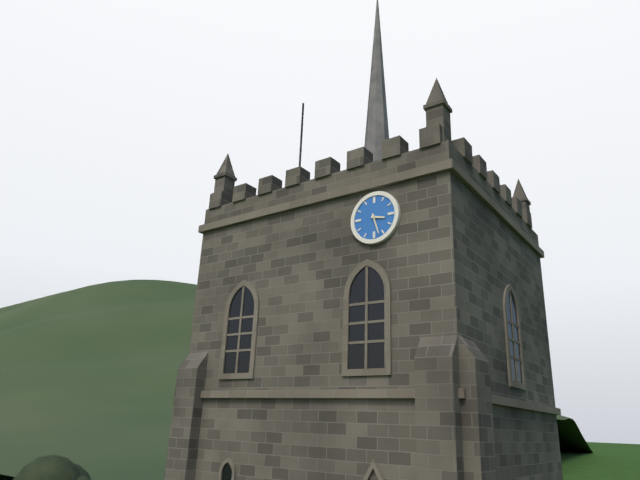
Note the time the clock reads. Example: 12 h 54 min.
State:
3 h 27 min
